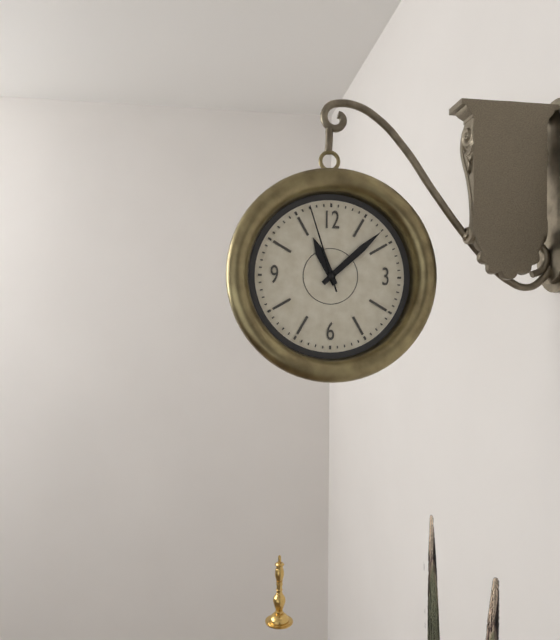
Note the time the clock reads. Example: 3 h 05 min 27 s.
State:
11 h 08 min 57 s
